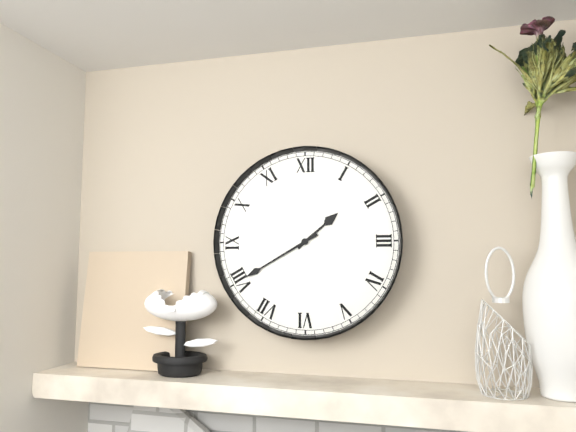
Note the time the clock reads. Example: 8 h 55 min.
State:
1 h 40 min
